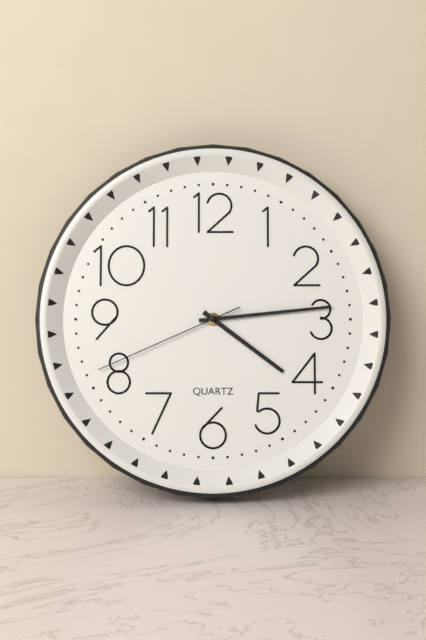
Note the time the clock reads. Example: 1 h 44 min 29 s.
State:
4 h 14 min 41 s
